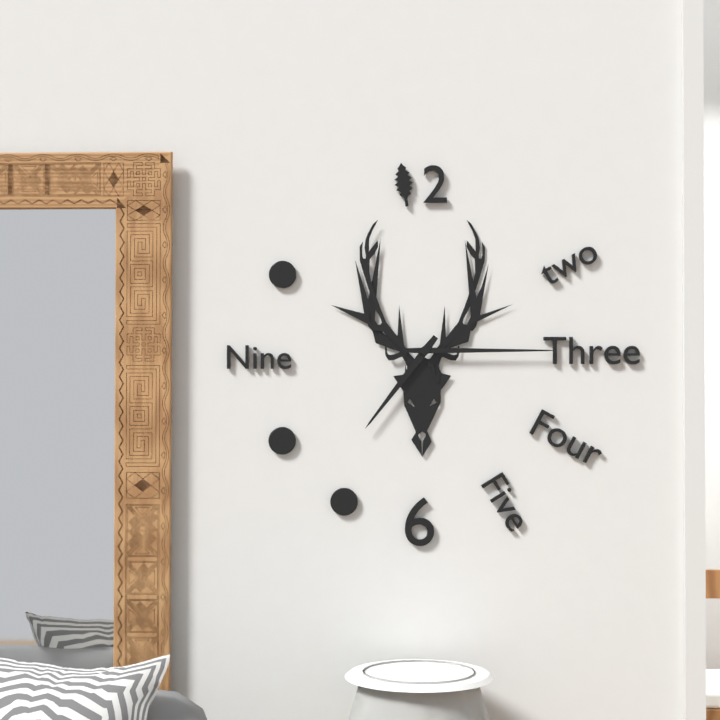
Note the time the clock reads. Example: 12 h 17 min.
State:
7 h 15 min
